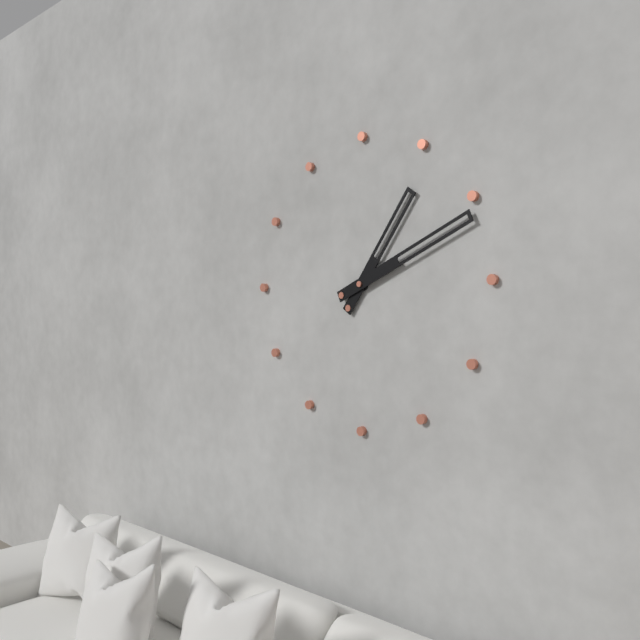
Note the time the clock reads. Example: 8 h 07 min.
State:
1 h 11 min
